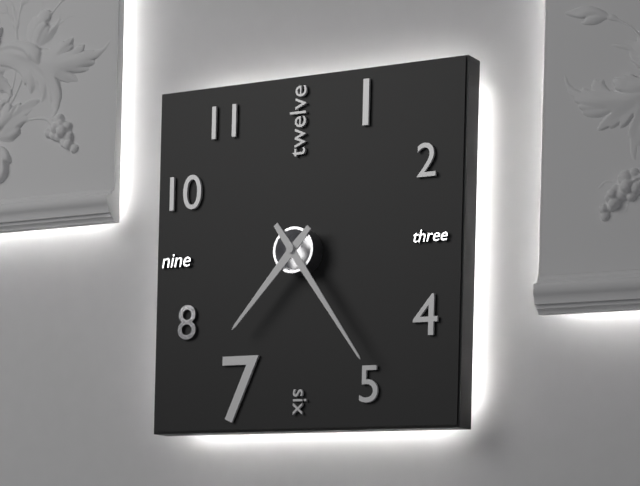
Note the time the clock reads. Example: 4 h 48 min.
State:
7 h 24 min
